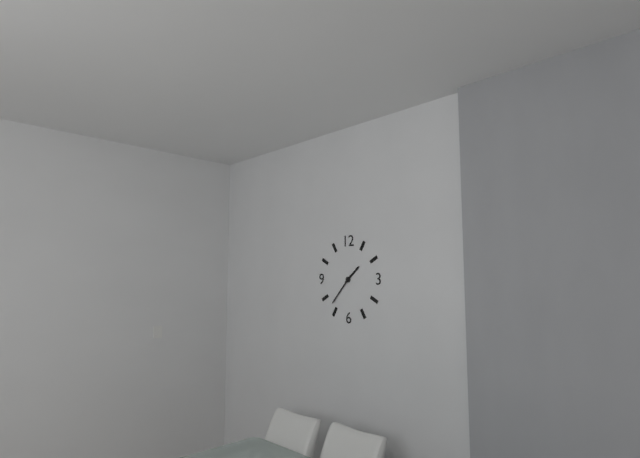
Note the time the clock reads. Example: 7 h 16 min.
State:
1 h 37 min
